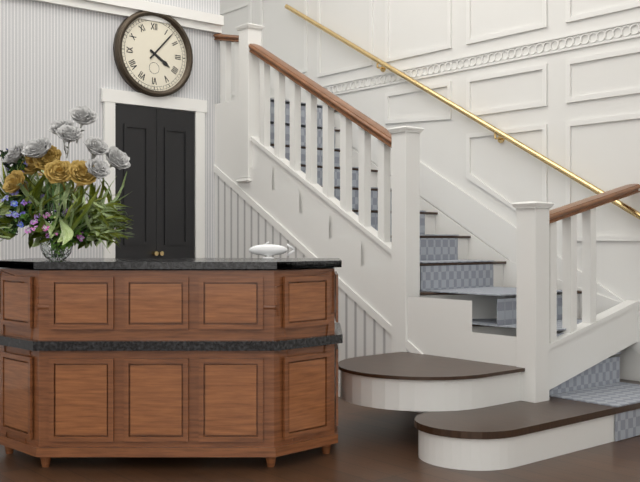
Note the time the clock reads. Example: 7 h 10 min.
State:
4 h 07 min
